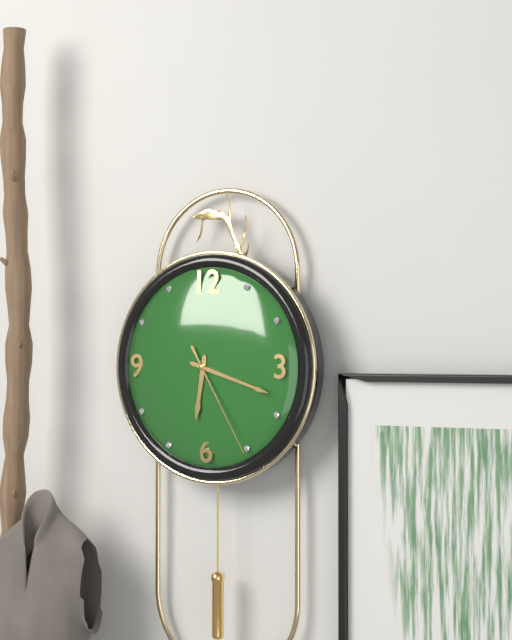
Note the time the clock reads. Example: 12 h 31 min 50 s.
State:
6 h 18 min 25 s
